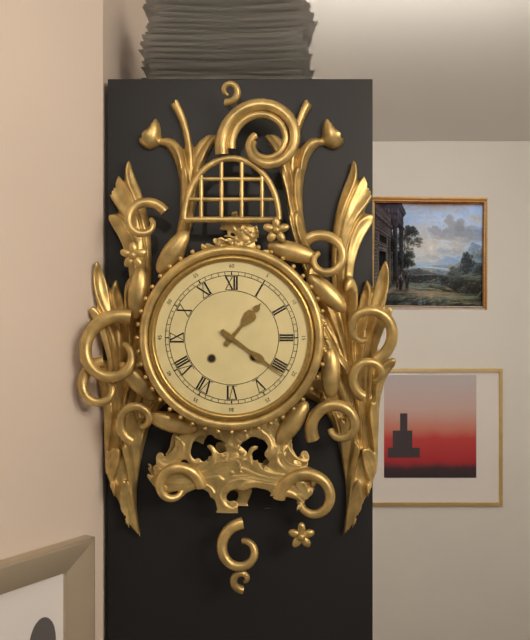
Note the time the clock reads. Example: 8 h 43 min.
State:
1 h 21 min
